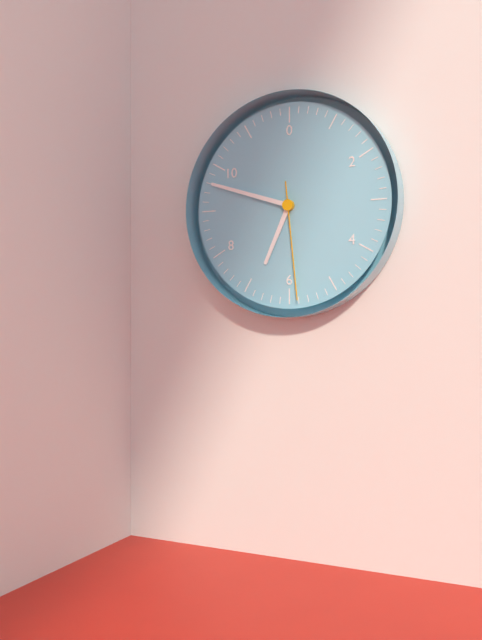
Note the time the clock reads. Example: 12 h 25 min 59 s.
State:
6 h 48 min 29 s
